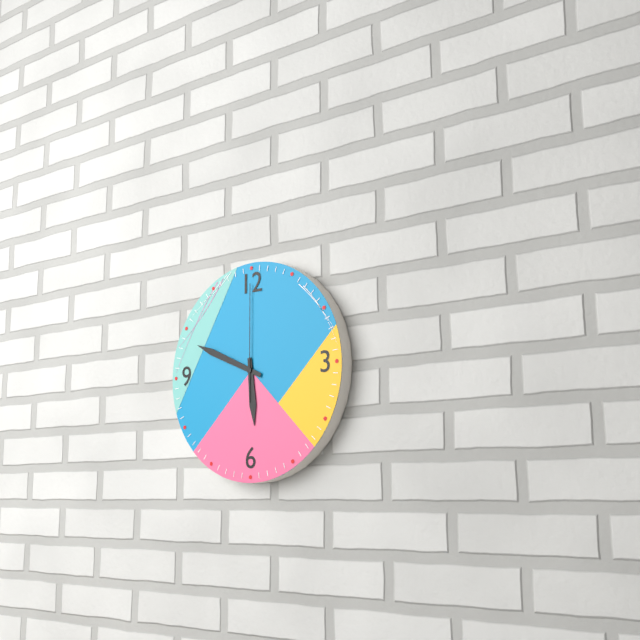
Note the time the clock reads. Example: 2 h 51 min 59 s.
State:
5 h 49 min 00 s
